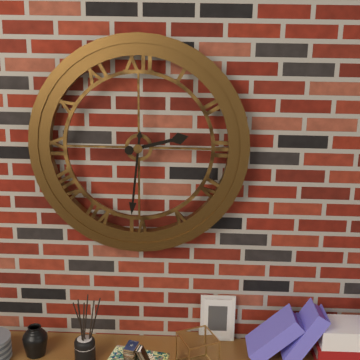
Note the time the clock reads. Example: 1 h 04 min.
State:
2 h 31 min
